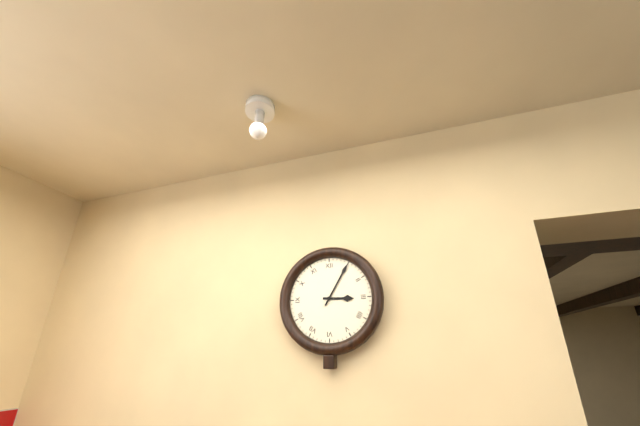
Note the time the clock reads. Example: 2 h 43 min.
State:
3 h 05 min
